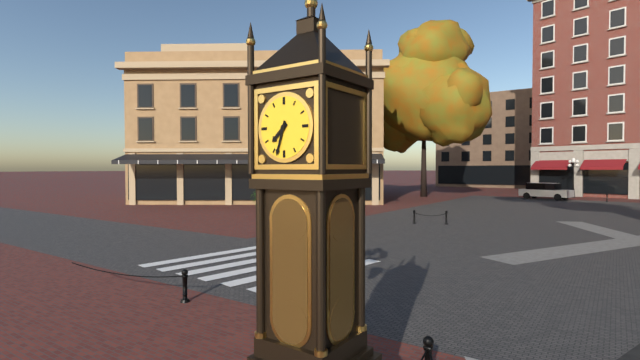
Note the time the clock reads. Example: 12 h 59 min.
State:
7 h 33 min
